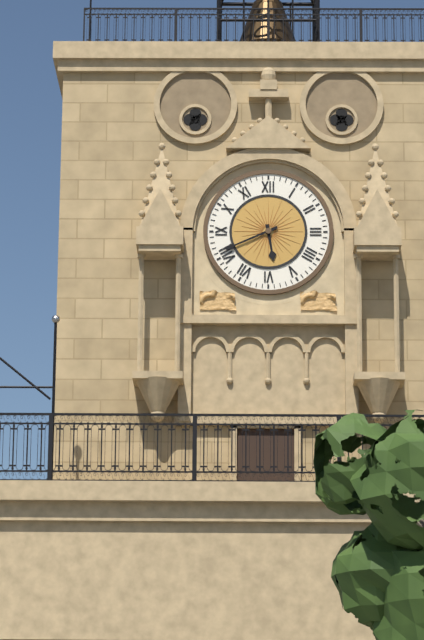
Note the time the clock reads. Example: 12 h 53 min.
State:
5 h 41 min
